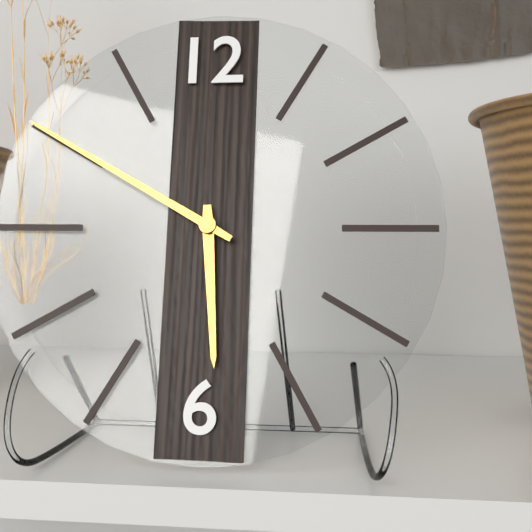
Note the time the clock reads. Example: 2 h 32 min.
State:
5 h 50 min
